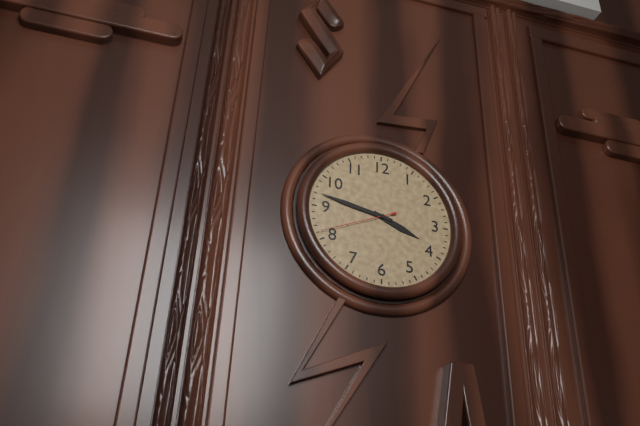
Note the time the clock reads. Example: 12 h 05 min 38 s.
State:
3 h 47 min 41 s
